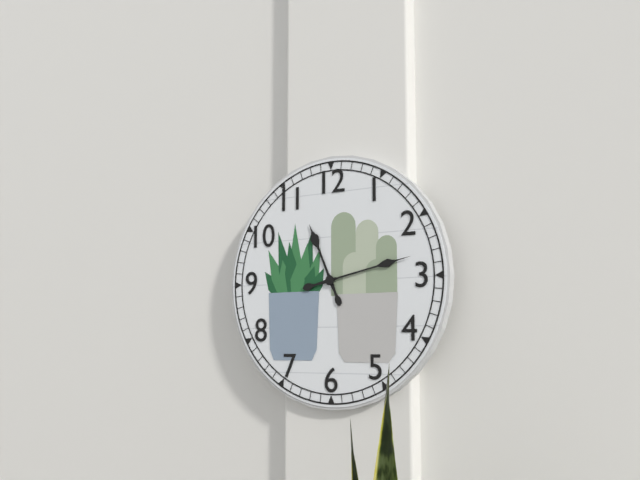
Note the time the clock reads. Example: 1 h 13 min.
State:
11 h 13 min
